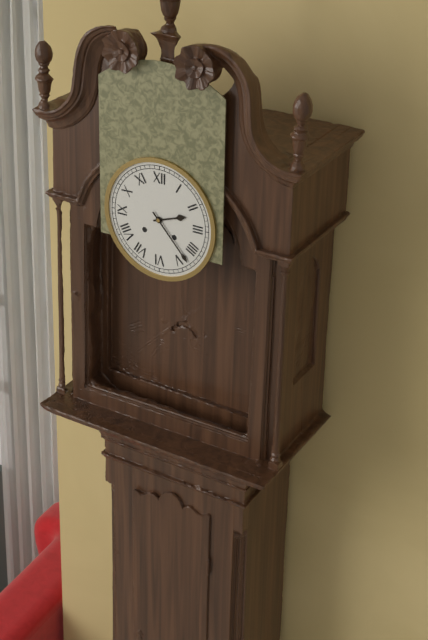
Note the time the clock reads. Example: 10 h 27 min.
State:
2 h 23 min
